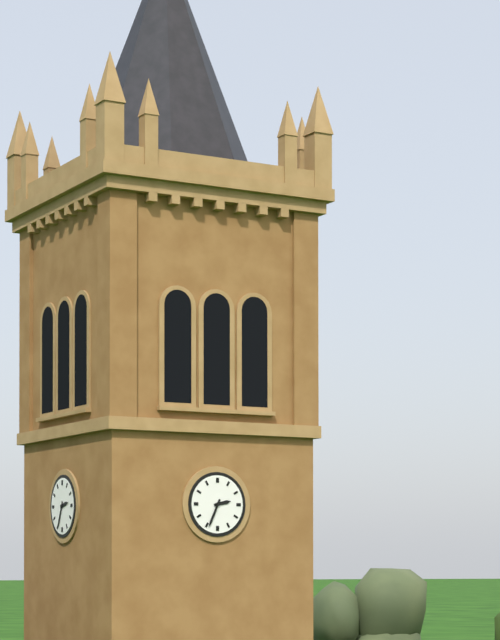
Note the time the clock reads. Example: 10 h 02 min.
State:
2 h 34 min
